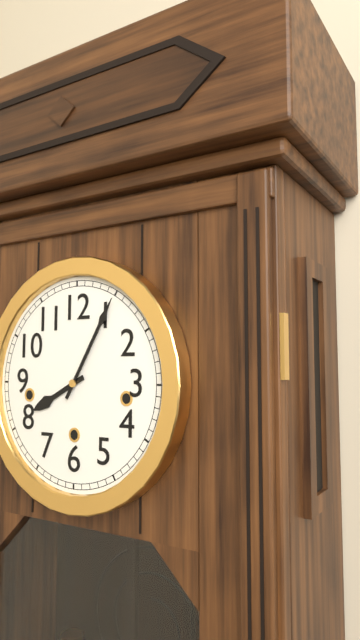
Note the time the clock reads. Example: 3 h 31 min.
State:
8 h 05 min
